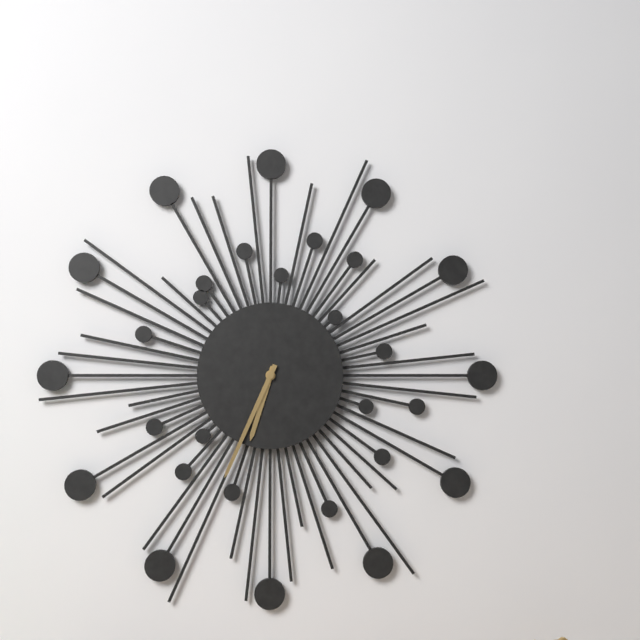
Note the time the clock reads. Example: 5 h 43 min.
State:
6 h 34 min
